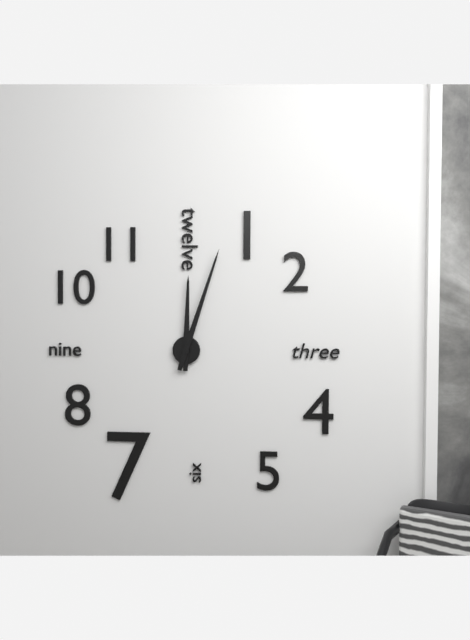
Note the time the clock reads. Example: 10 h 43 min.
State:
12 h 03 min
